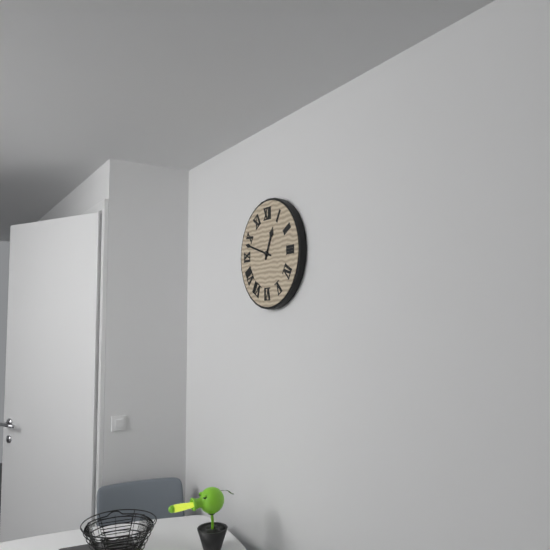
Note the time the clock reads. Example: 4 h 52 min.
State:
12 h 48 min
